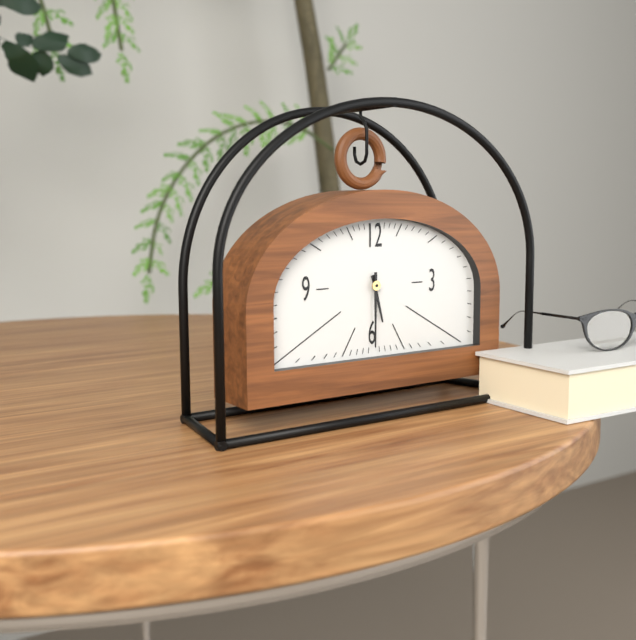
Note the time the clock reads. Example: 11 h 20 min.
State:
5 h 30 min
